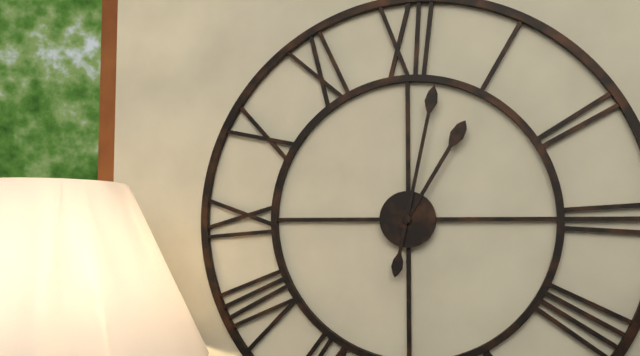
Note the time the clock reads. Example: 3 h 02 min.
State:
1 h 02 min
